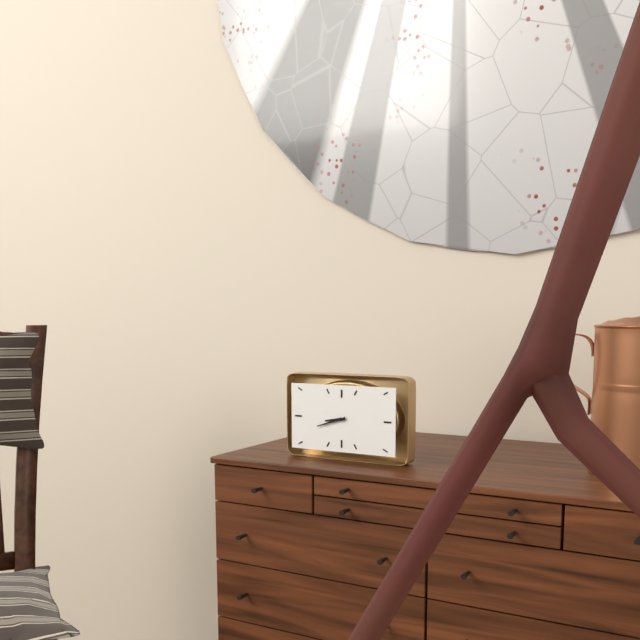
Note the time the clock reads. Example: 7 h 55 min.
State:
8 h 42 min
